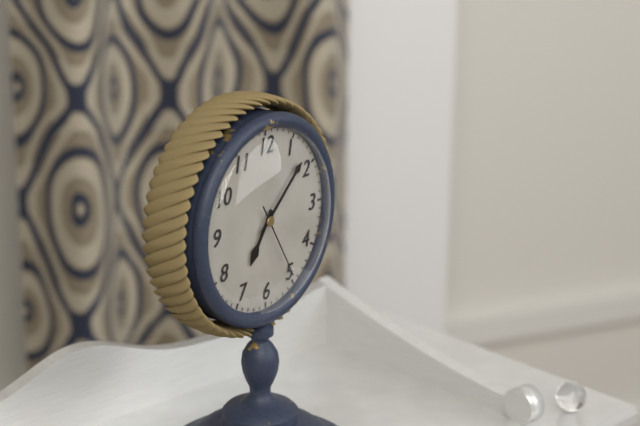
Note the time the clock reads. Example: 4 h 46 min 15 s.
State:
7 h 08 min 25 s
